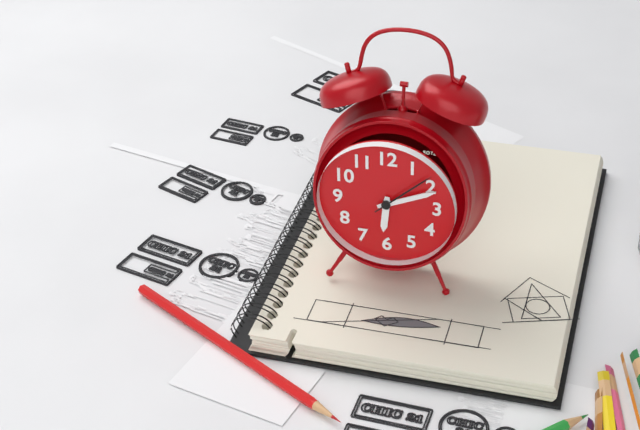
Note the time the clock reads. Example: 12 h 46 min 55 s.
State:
6 h 11 min 08 s
